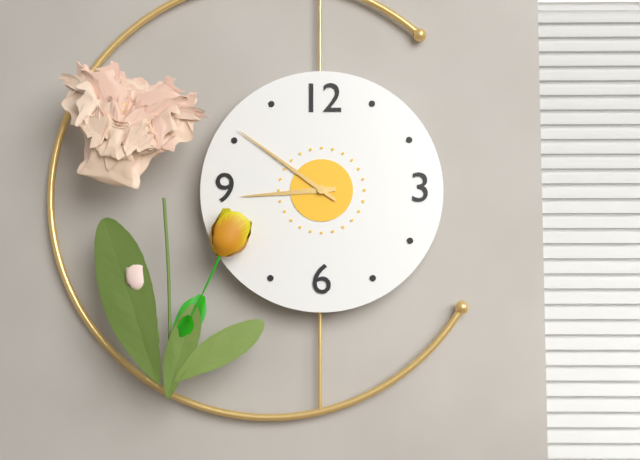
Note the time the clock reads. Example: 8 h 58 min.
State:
8 h 51 min
